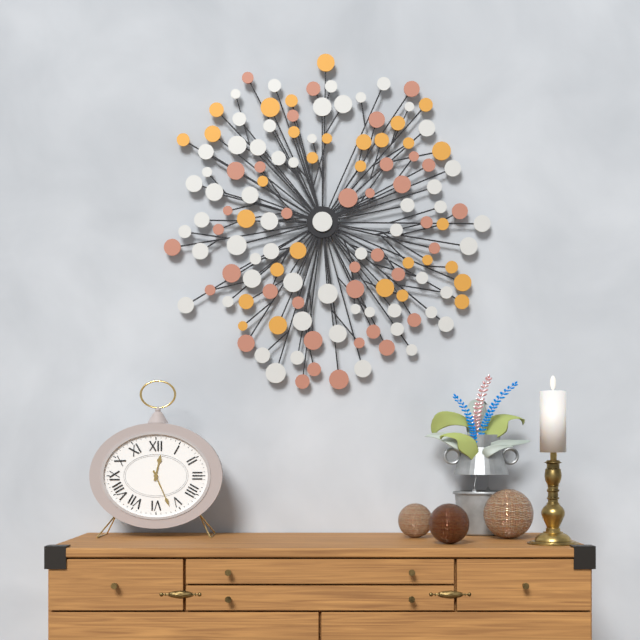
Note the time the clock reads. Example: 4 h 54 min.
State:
12 h 26 min
